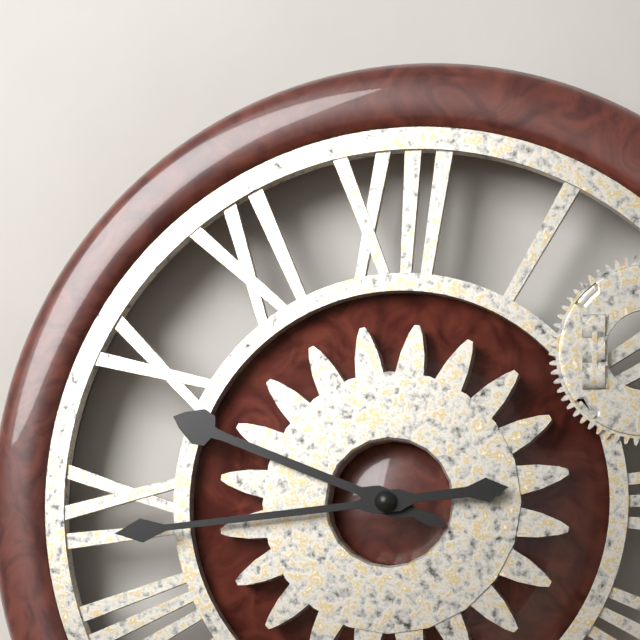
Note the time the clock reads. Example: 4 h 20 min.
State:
9 h 44 min
